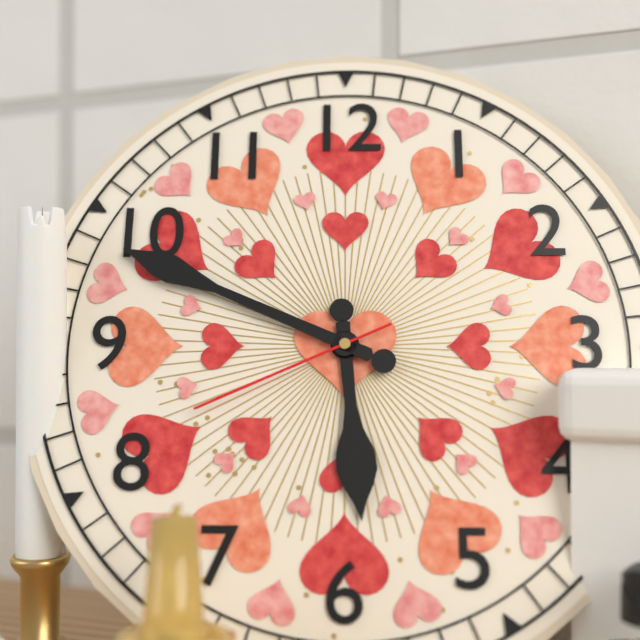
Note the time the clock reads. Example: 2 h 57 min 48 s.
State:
5 h 49 min 41 s
